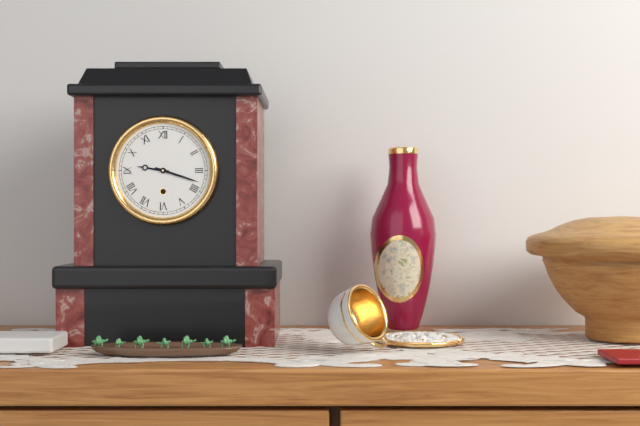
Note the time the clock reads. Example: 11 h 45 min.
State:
9 h 18 min
